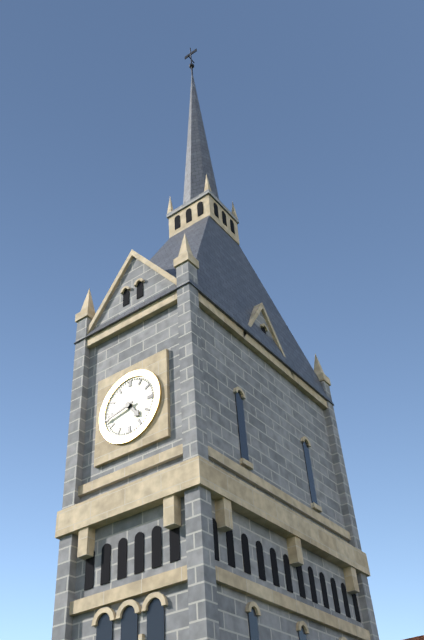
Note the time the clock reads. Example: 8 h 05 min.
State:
4 h 43 min
